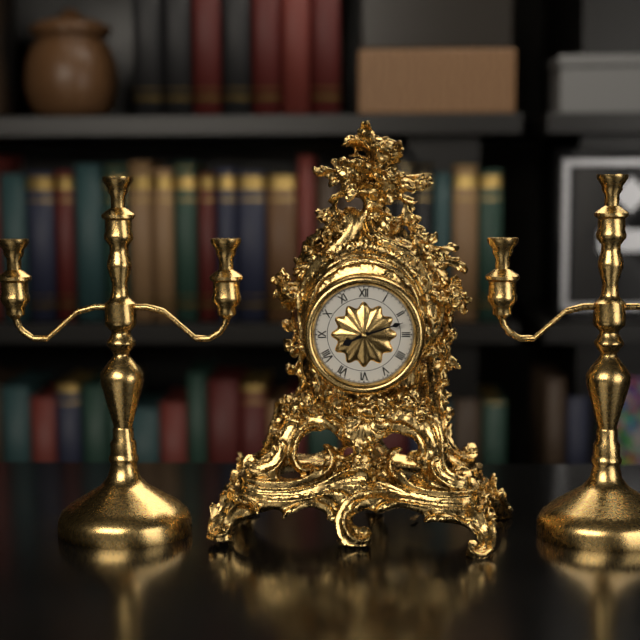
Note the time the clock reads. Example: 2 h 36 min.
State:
8 h 12 min
